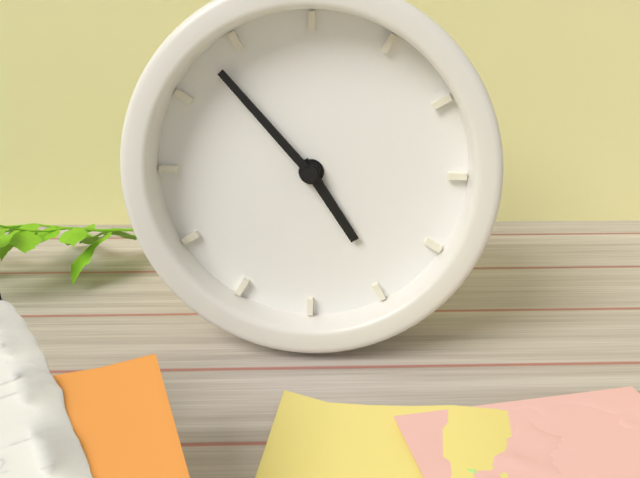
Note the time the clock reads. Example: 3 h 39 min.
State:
4 h 53 min
